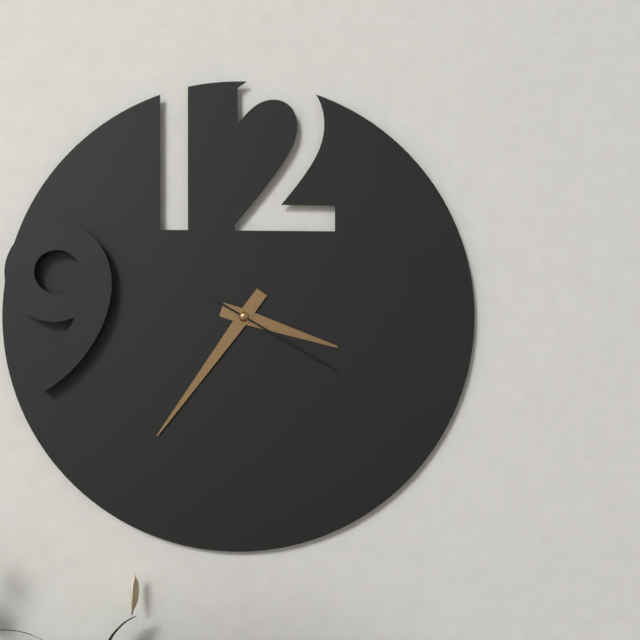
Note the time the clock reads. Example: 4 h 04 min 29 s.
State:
3 h 36 min 20 s
